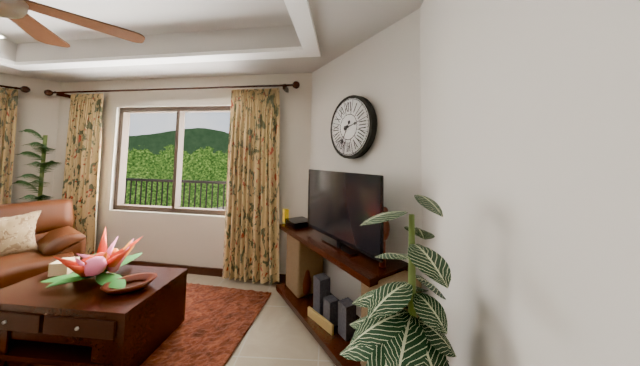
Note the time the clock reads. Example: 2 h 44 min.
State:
2 h 35 min
